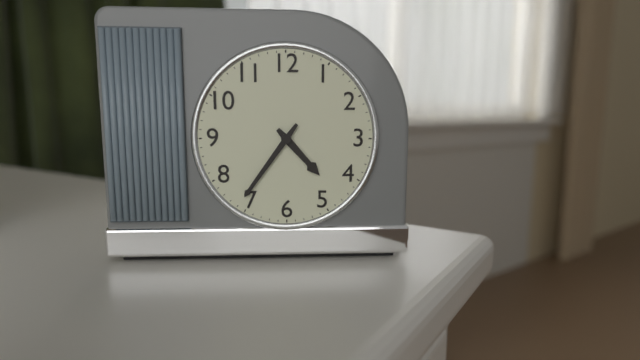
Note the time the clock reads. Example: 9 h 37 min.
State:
4 h 36 min
